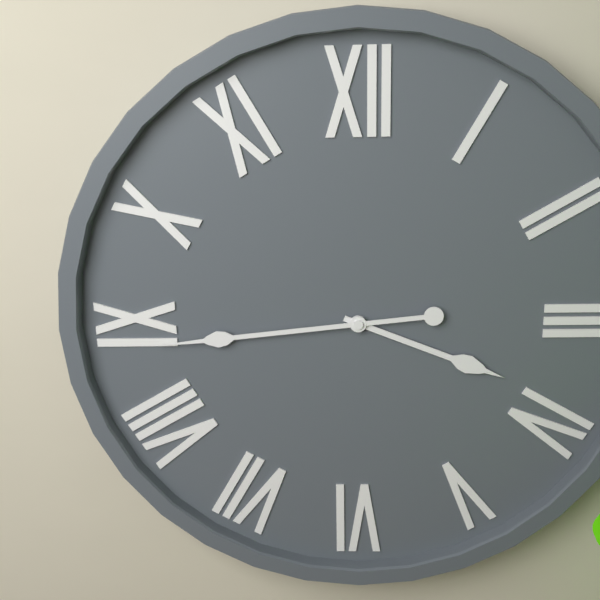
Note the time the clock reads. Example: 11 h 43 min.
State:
3 h 44 min
